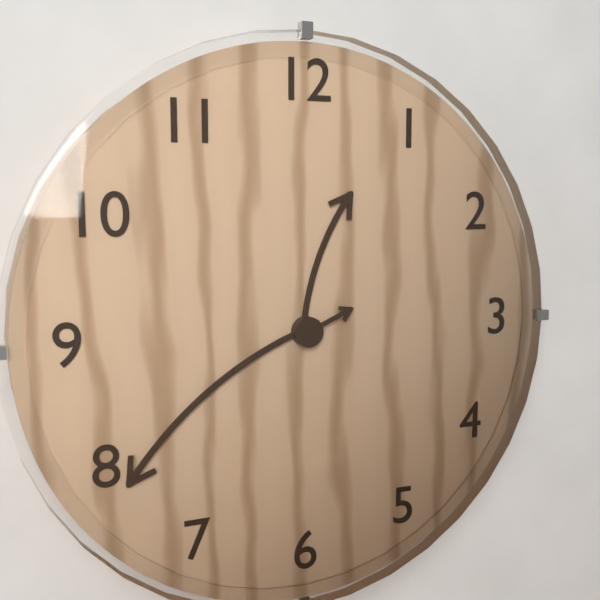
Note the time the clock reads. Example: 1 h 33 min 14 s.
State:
12 h 39 min 11 s
